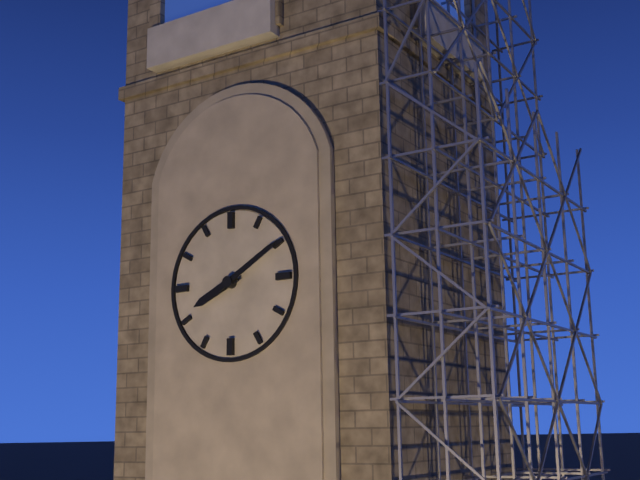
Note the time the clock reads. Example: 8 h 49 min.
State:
8 h 10 min
